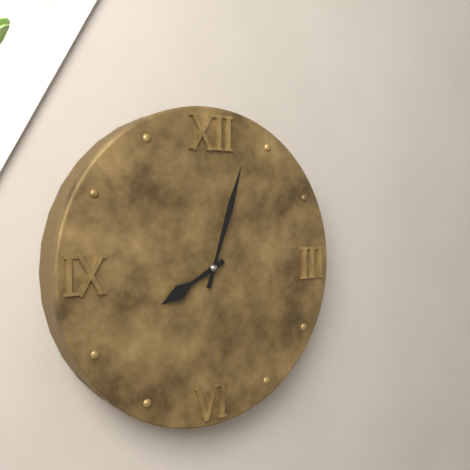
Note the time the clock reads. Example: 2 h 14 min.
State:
8 h 03 min
